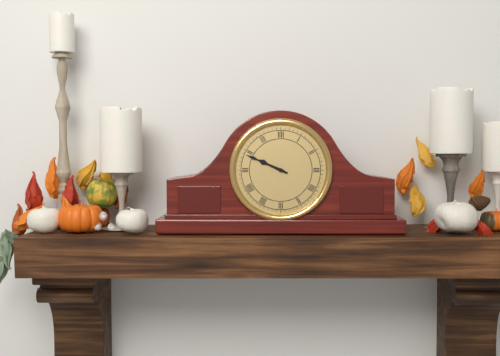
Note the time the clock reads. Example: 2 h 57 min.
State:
9 h 49 min
